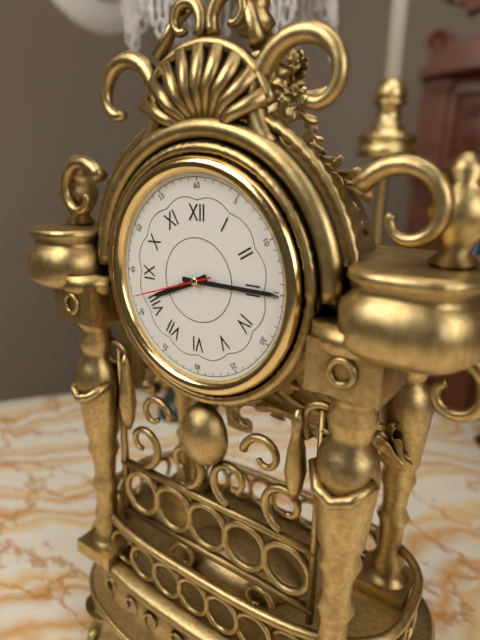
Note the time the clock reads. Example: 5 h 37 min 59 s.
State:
8 h 15 min 42 s
